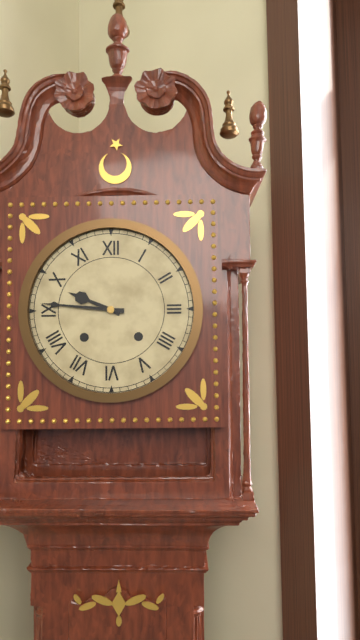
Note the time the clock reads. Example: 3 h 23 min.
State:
9 h 46 min
